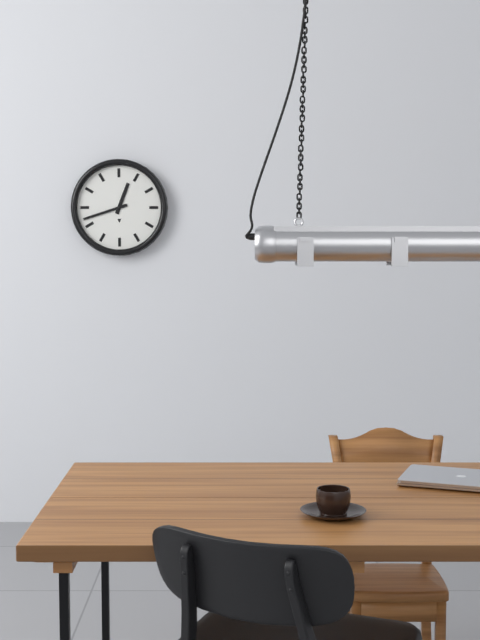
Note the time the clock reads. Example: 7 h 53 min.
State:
12 h 42 min
